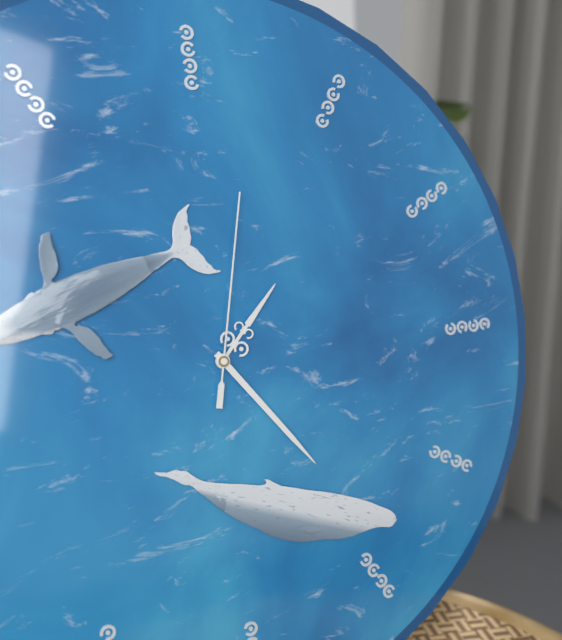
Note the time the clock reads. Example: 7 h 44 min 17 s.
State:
1 h 24 min 02 s
